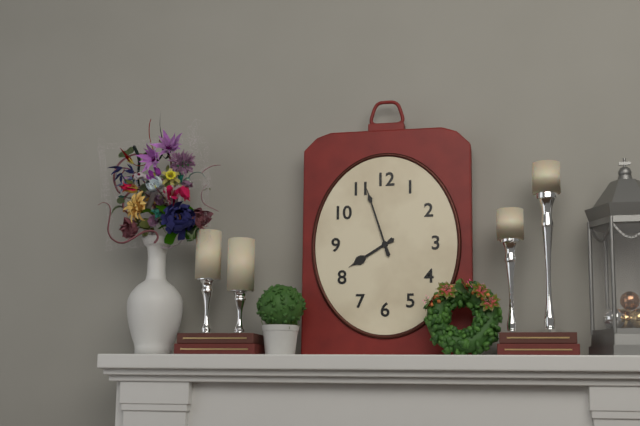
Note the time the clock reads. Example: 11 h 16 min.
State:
7 h 57 min
